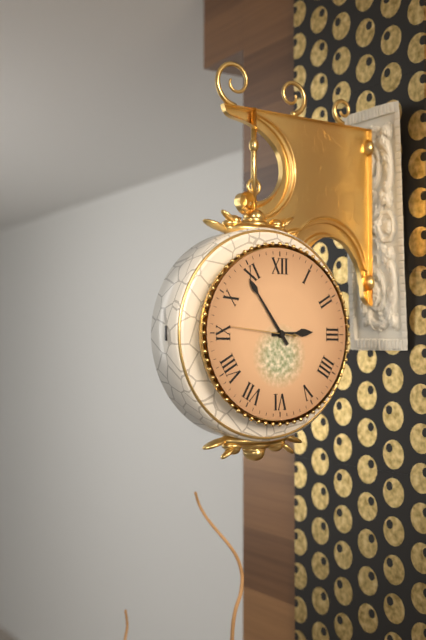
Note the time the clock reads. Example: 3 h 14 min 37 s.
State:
2 h 54 min 46 s
